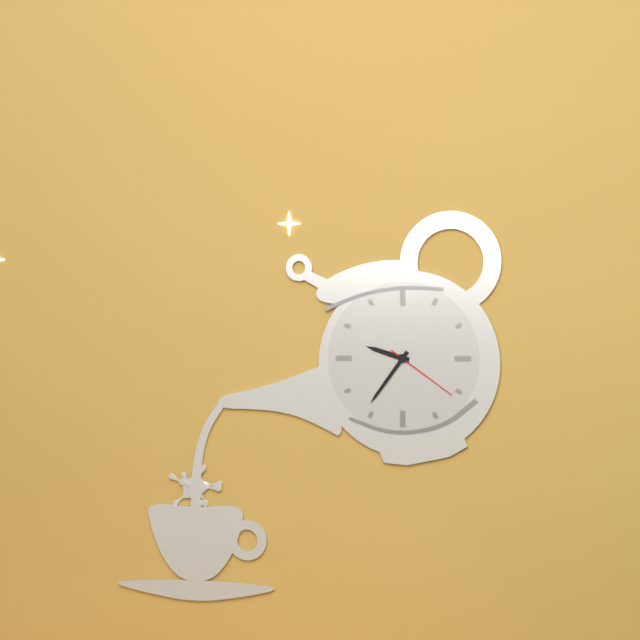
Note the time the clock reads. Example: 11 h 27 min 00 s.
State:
9 h 36 min 21 s
